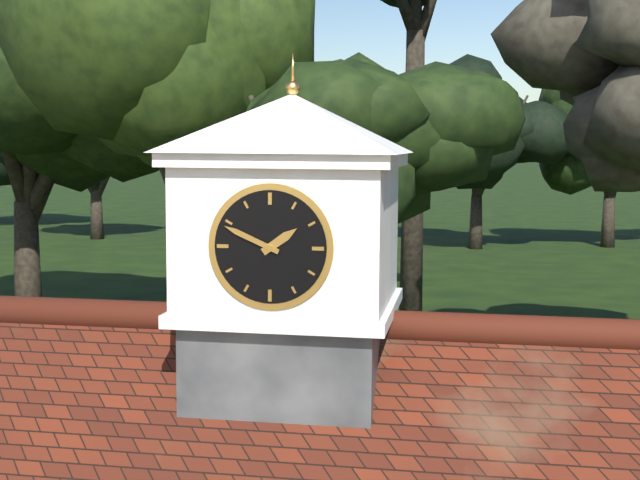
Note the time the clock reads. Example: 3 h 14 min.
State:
1 h 49 min
